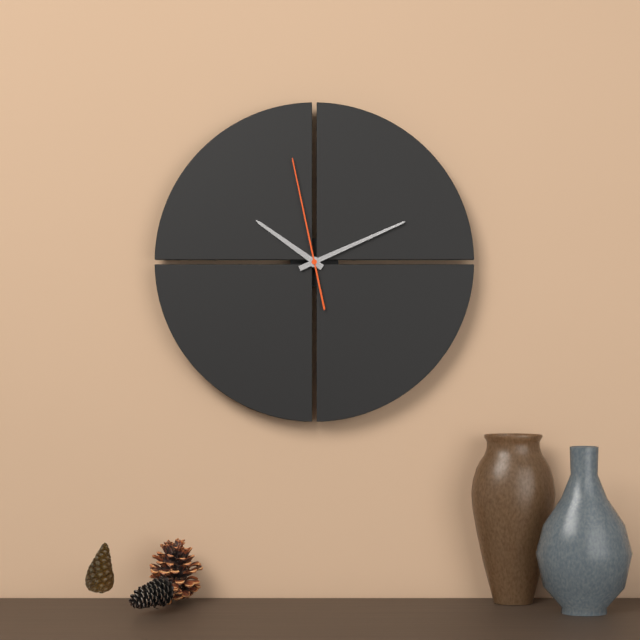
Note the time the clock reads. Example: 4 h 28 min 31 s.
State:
10 h 11 min 58 s
